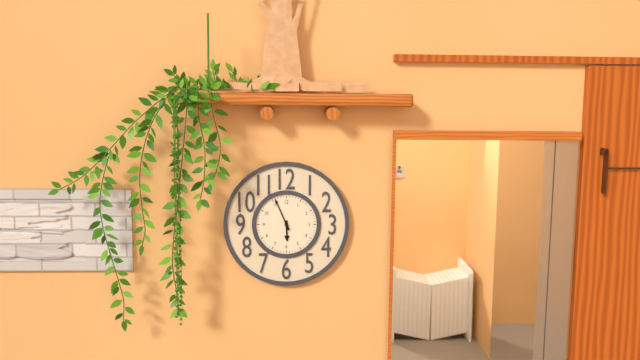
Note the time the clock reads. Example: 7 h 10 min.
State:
5 h 56 min
